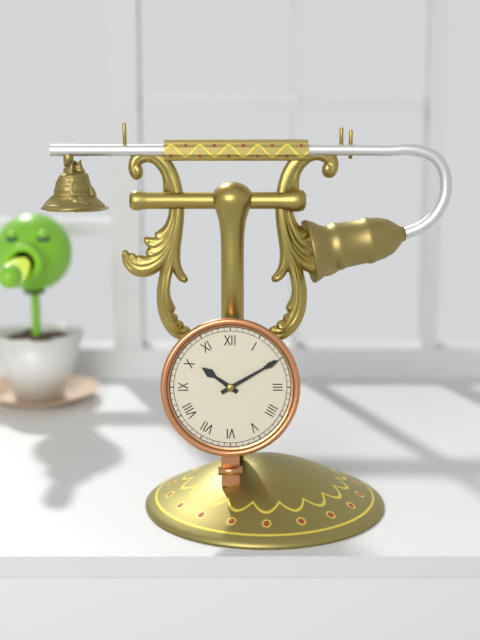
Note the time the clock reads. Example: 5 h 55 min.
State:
10 h 10 min
